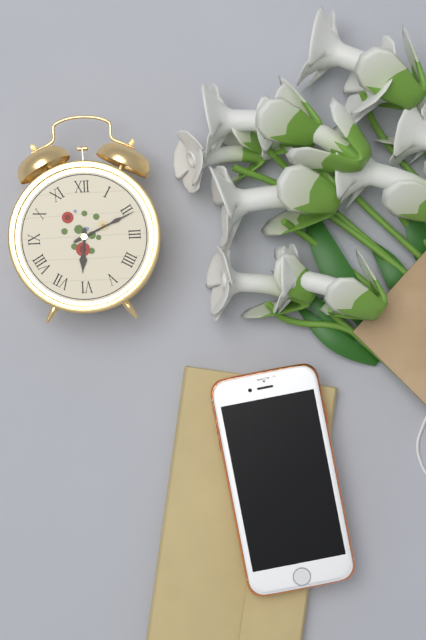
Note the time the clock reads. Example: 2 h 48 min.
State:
6 h 11 min
